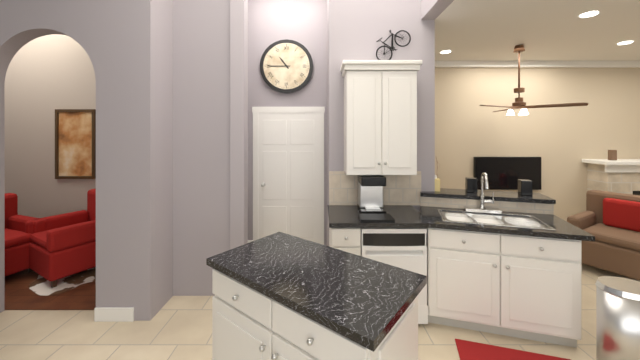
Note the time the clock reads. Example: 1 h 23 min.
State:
10 h 45 min
